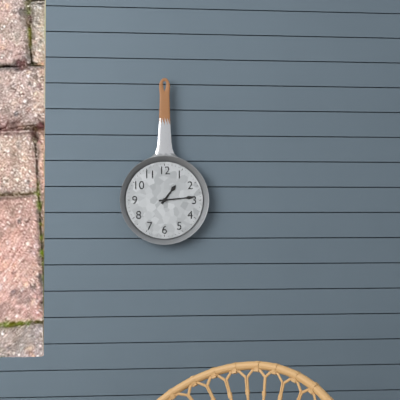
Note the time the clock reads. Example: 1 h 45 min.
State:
1 h 14 min
